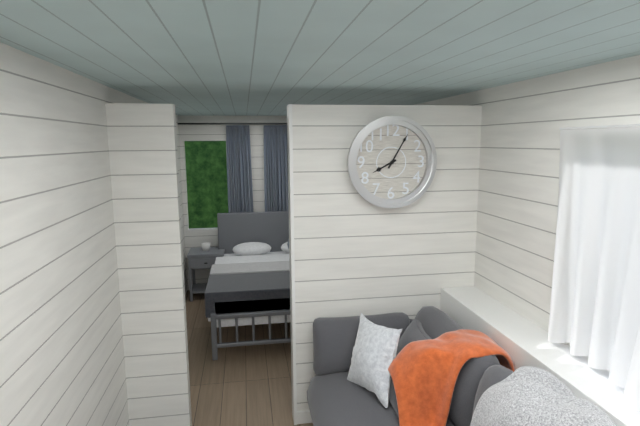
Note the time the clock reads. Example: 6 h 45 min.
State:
8 h 05 min
